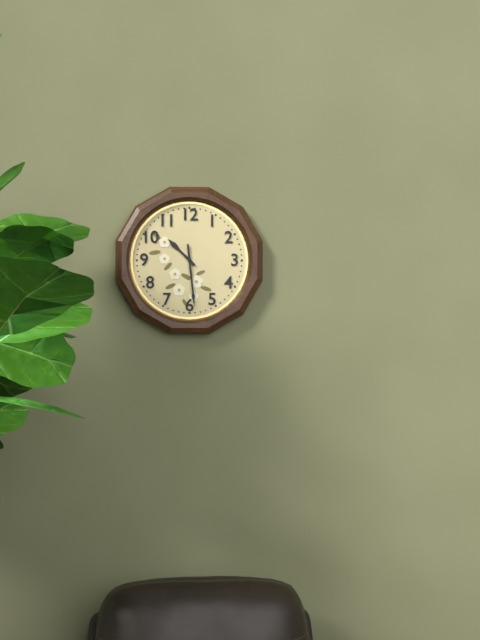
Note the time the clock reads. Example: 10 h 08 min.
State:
10 h 29 min
